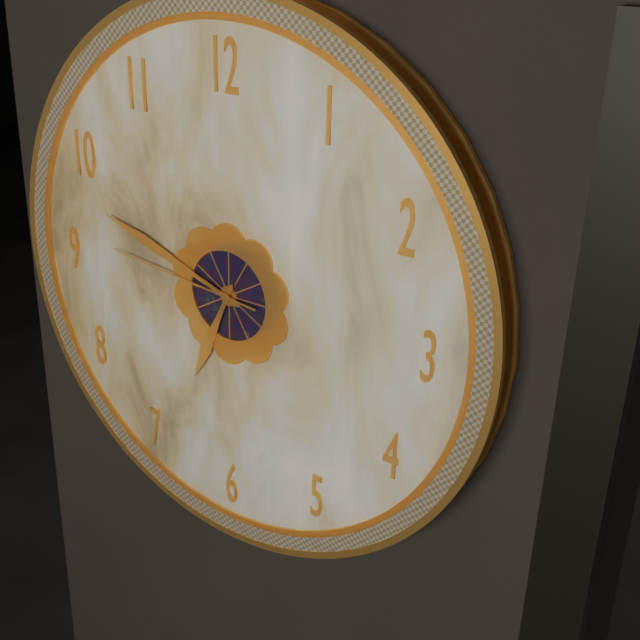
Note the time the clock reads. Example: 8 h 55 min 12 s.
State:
6 h 48 min 46 s
